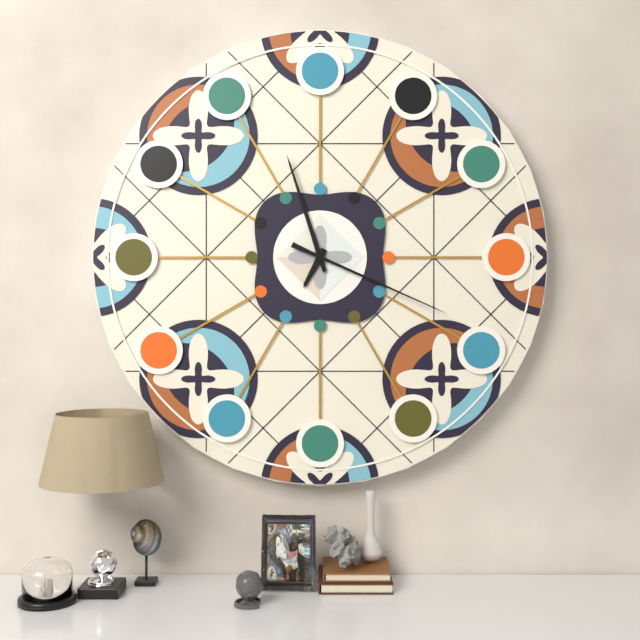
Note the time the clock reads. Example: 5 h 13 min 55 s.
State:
6 h 57 min 19 s
